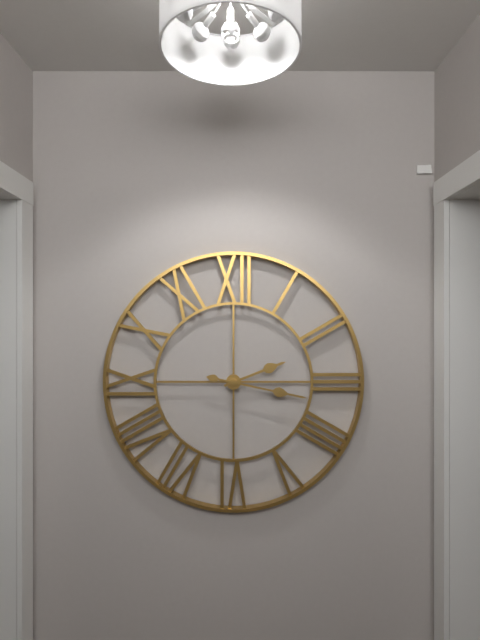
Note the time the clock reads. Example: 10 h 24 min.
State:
2 h 17 min
